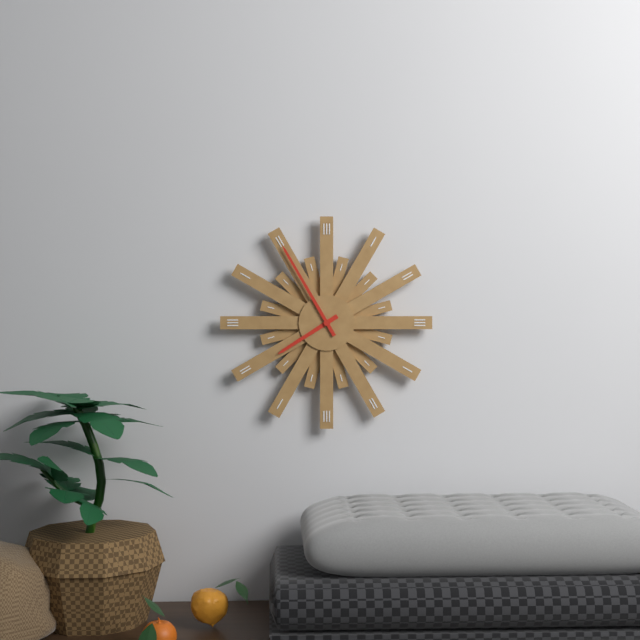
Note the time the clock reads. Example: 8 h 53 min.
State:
7 h 55 min
